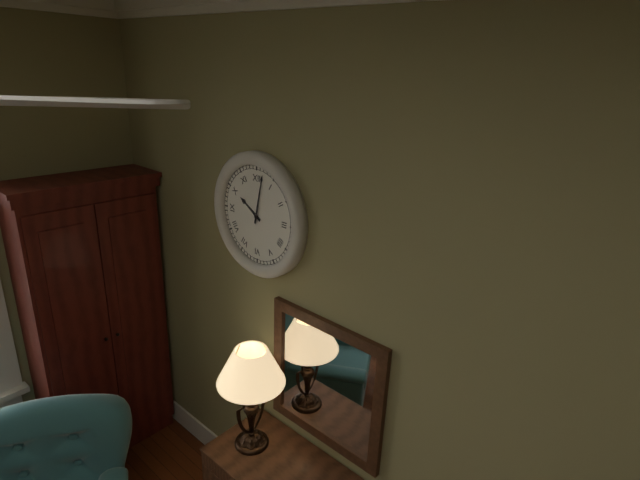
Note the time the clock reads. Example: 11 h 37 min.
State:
10 h 02 min
